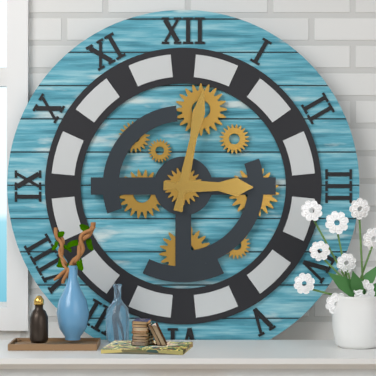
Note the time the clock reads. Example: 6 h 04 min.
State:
3 h 02 min
